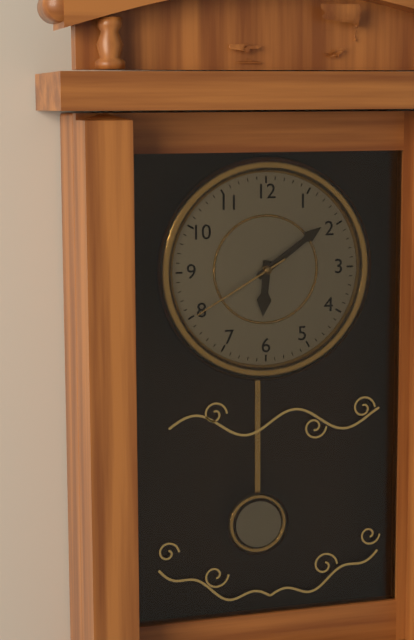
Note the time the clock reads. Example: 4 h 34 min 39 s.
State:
6 h 09 min 40 s
